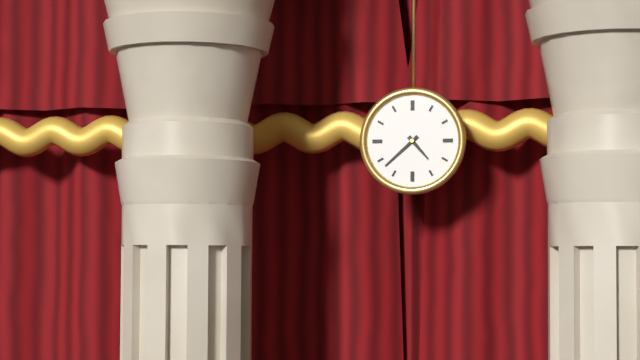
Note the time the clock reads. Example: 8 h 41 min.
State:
4 h 38 min
